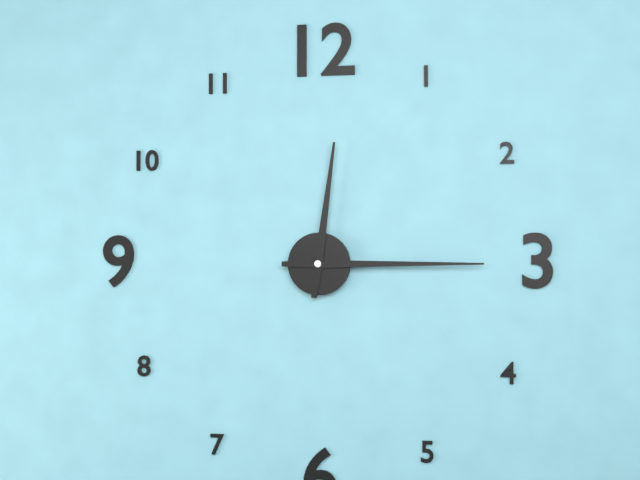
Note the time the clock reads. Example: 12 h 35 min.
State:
12 h 15 min
